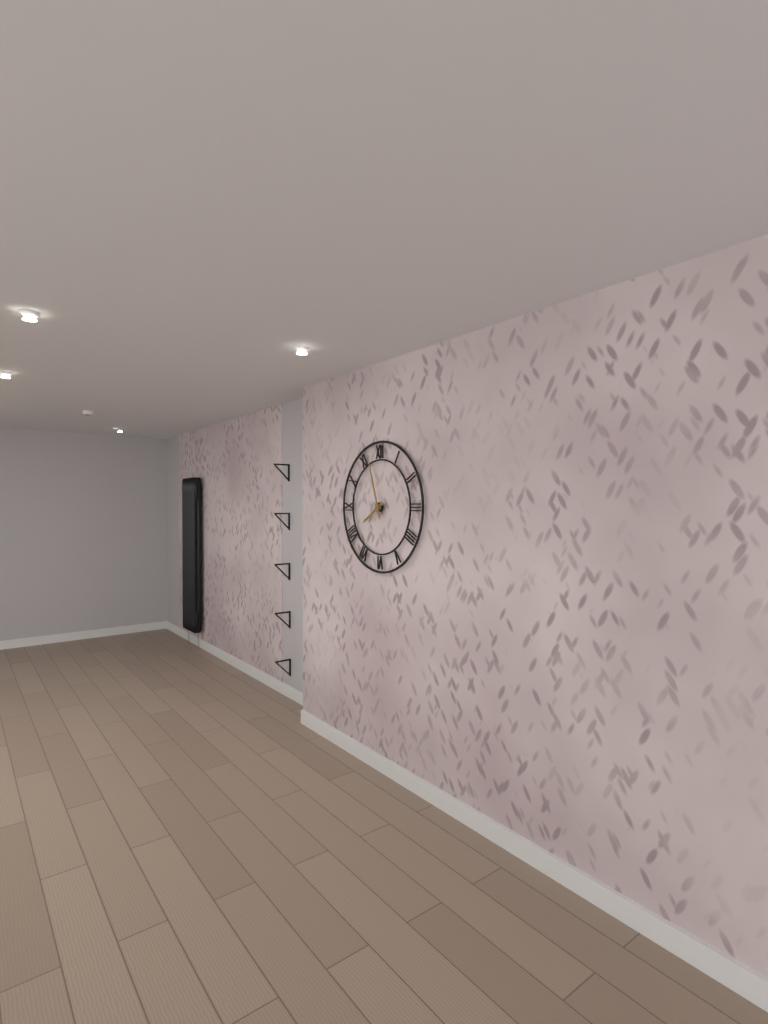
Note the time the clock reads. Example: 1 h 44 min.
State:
7 h 57 min
